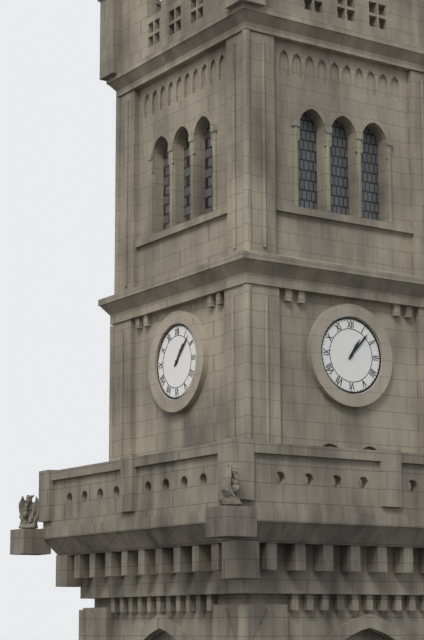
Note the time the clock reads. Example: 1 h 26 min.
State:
1 h 07 min
